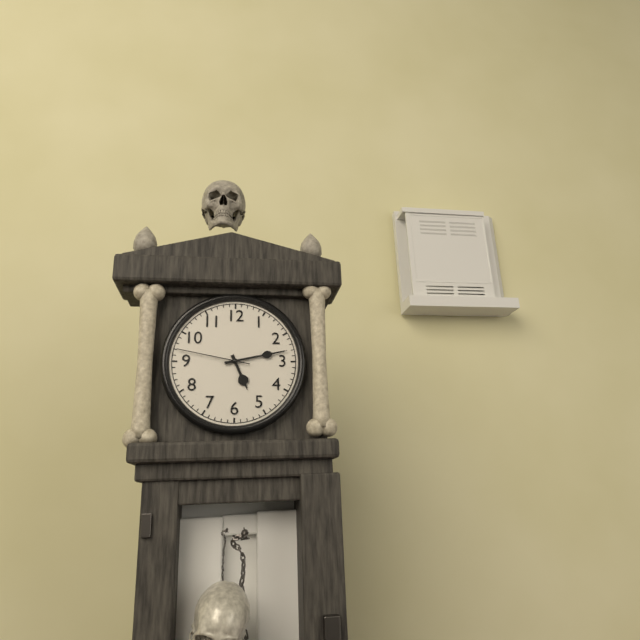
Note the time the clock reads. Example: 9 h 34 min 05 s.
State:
5 h 13 min 47 s
